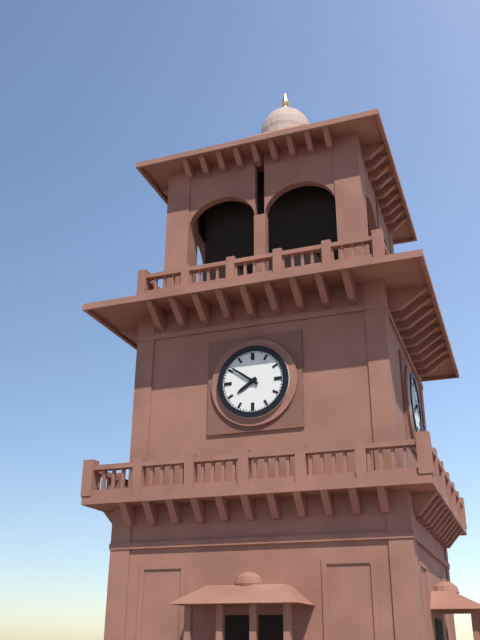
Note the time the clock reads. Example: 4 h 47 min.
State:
7 h 51 min
